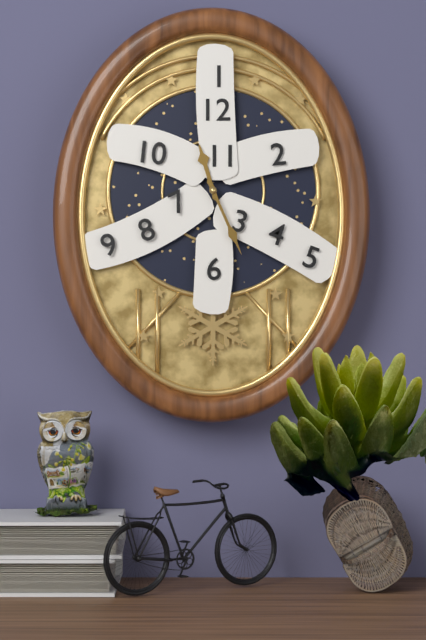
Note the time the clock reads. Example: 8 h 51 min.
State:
11 h 26 min
